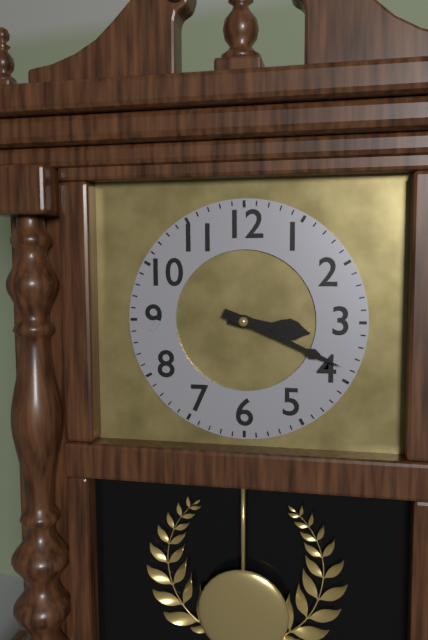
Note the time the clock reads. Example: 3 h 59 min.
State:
3 h 19 min
